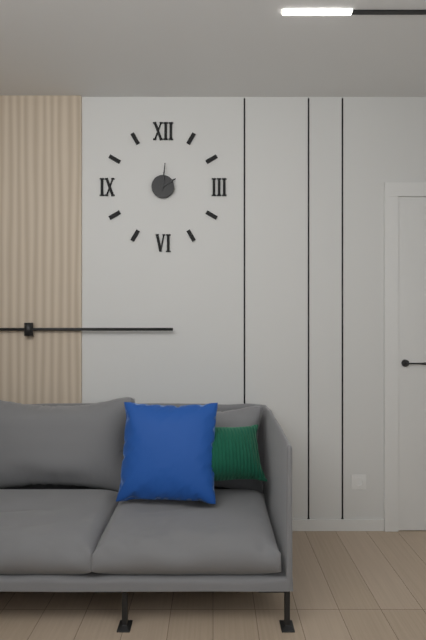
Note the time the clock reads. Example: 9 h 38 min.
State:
2 h 01 min
